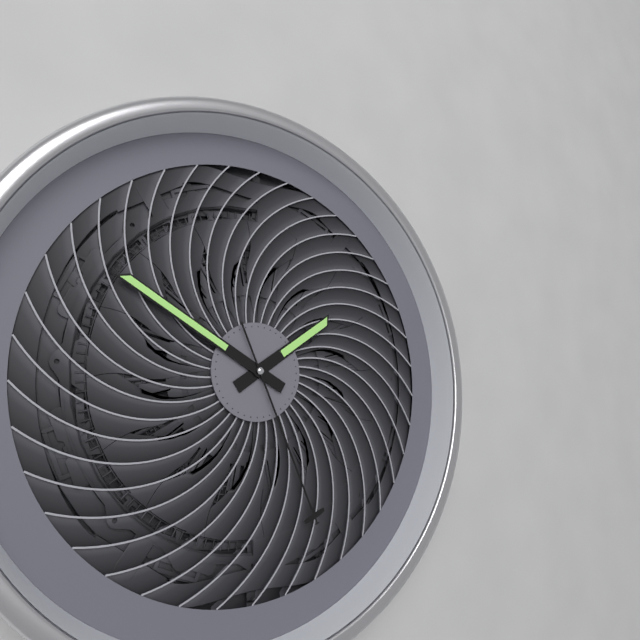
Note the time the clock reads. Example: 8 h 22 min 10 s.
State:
1 h 50 min 26 s
